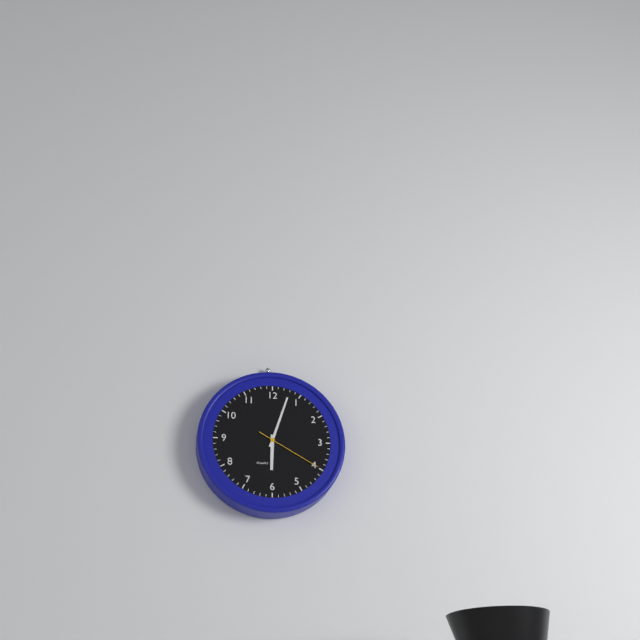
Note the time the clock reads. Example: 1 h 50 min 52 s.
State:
6 h 03 min 20 s
